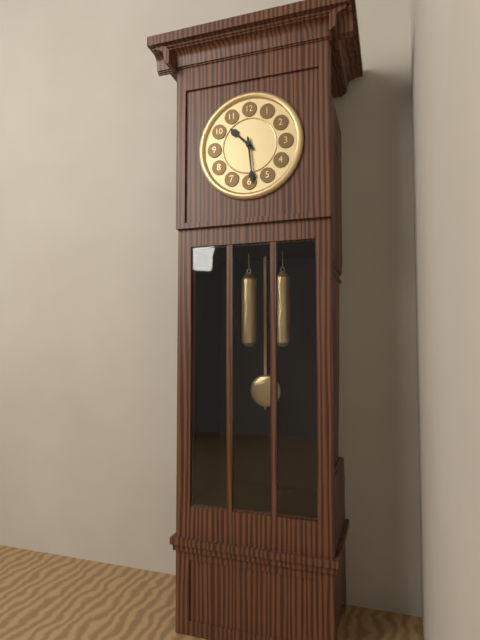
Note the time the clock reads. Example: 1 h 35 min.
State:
10 h 29 min
